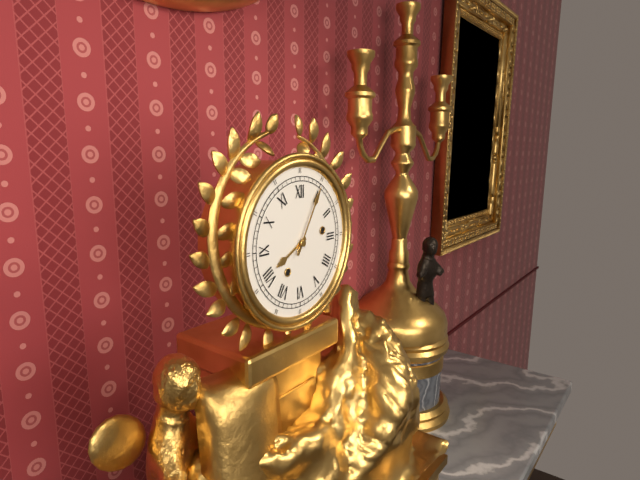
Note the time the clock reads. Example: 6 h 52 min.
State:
8 h 05 min
